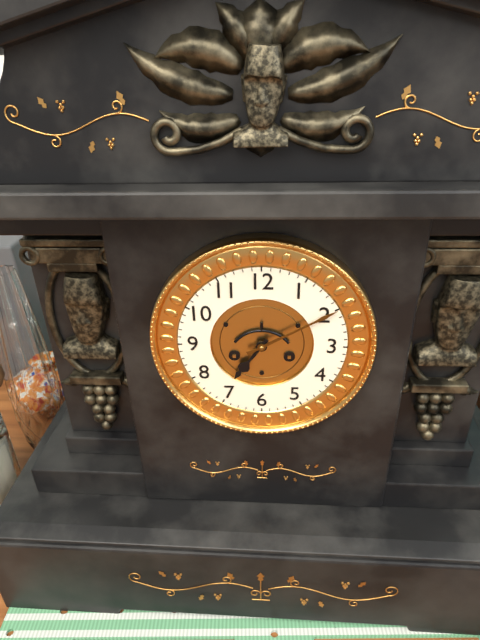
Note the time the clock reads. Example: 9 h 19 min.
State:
7 h 10 min
